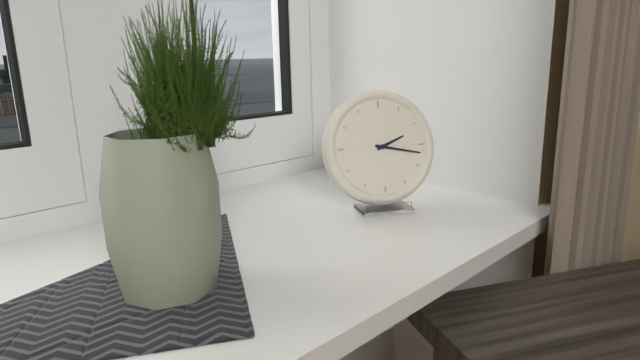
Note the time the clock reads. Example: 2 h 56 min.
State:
2 h 17 min
